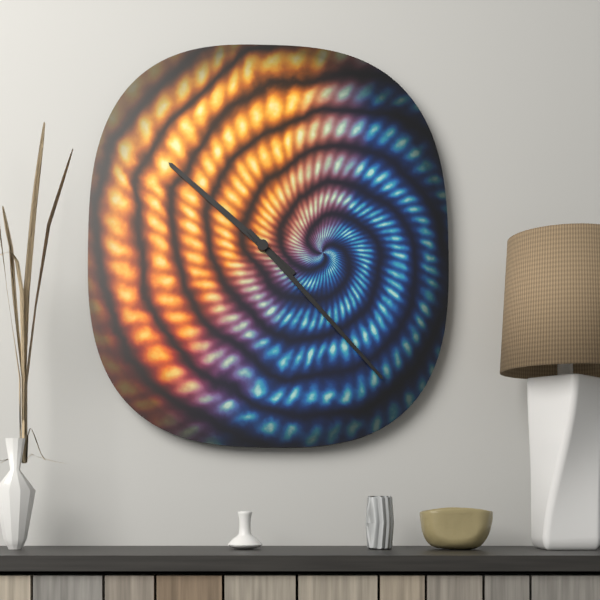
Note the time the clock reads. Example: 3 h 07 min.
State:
10 h 23 min
